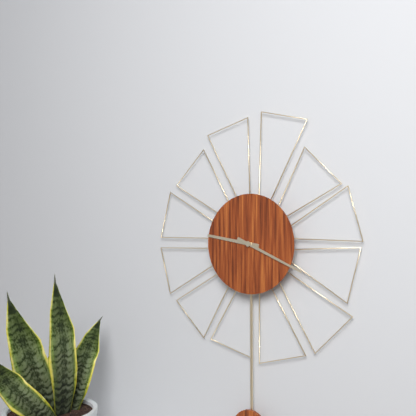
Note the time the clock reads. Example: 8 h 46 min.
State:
9 h 19 min
